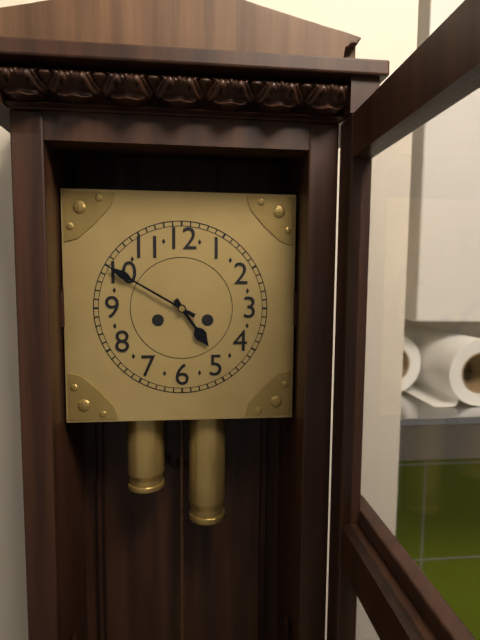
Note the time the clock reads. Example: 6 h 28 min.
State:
4 h 50 min
